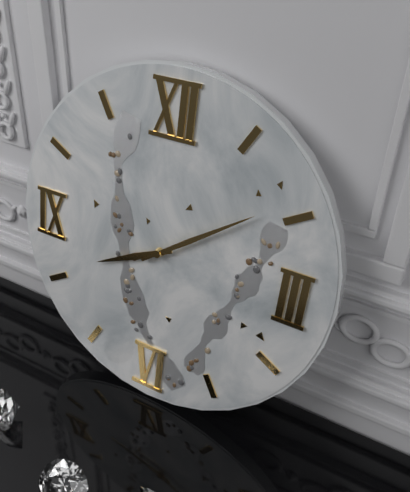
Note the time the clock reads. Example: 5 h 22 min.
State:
8 h 09 min
